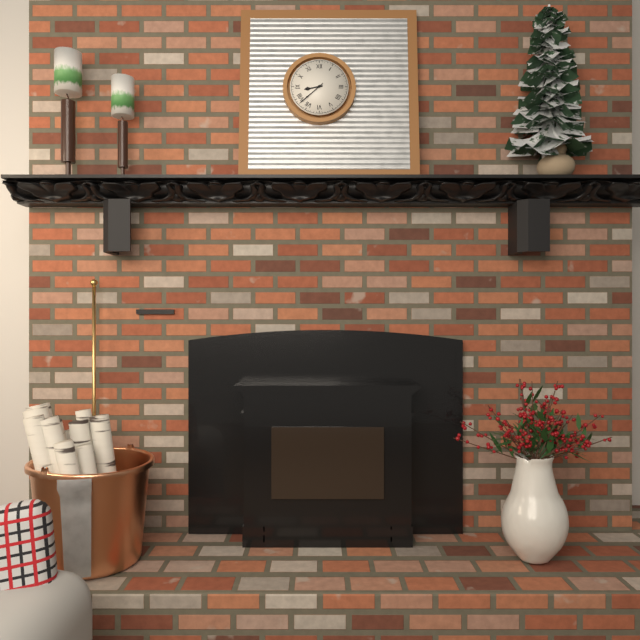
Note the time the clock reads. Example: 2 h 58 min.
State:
8 h 38 min
